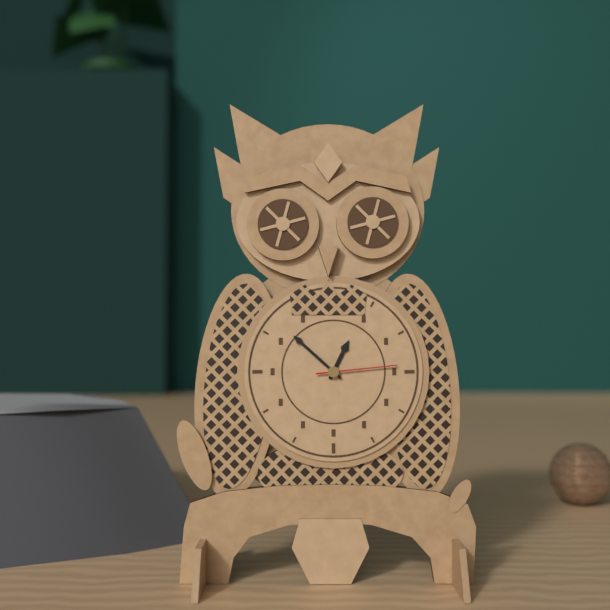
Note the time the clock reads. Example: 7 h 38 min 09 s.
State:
12 h 52 min 14 s
